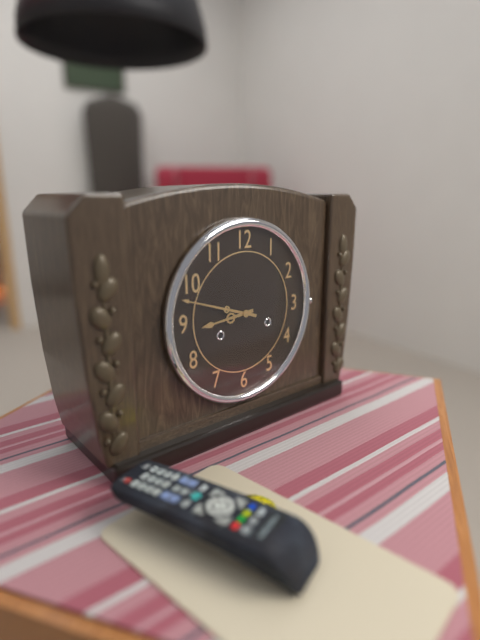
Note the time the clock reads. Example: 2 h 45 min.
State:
8 h 48 min
